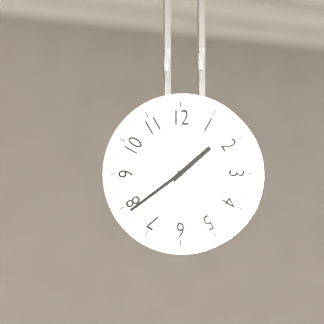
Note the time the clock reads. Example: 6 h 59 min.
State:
1 h 39 min
